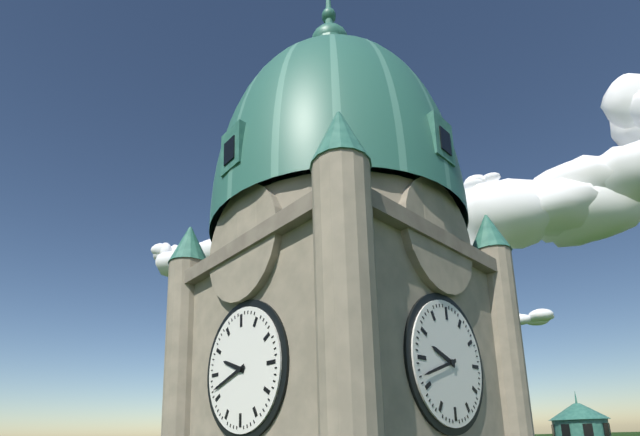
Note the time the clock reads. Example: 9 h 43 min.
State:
9 h 42 min
